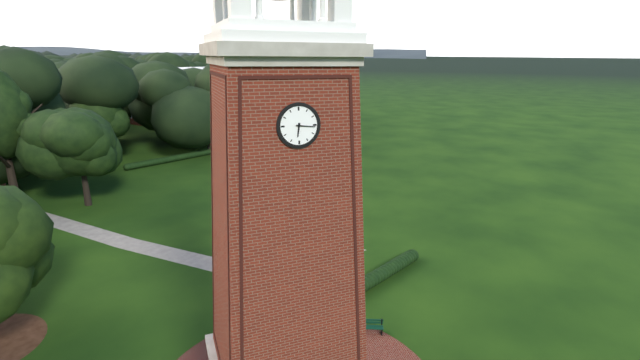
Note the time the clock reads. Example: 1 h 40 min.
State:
6 h 16 min
